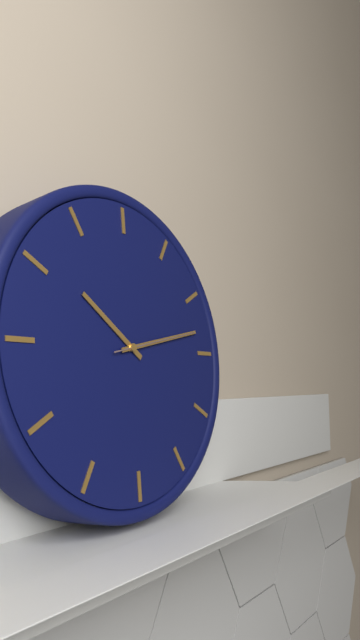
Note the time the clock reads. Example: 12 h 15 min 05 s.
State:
10 h 13 min 13 s
